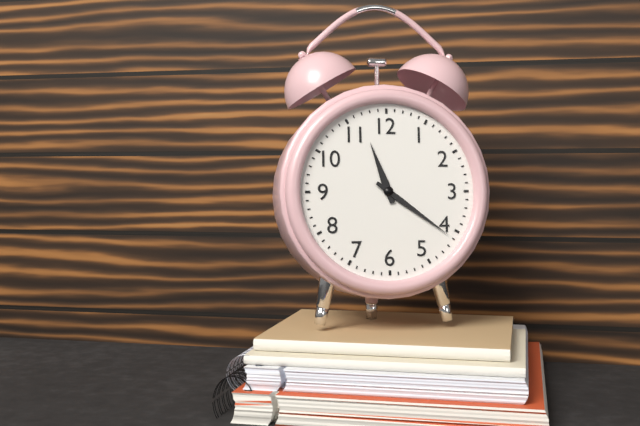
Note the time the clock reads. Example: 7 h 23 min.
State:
11 h 21 min
